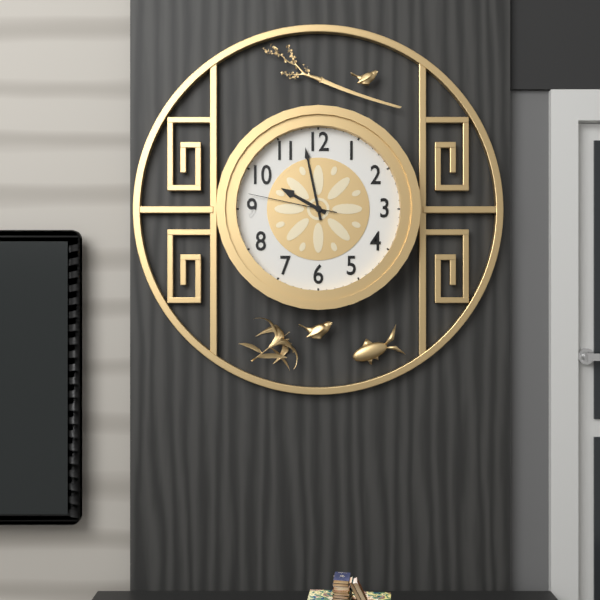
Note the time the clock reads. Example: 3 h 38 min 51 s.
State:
9 h 58 min 47 s
